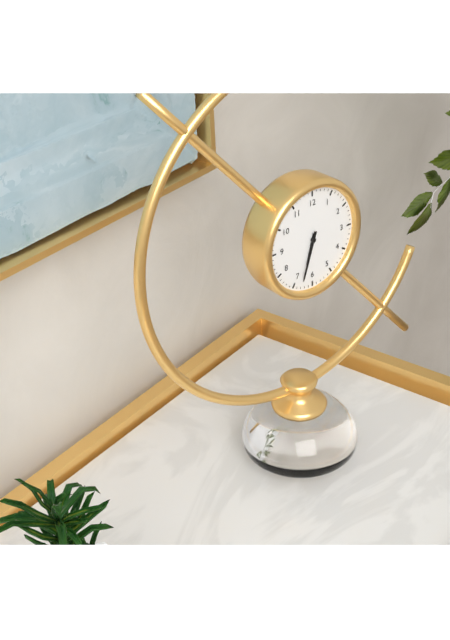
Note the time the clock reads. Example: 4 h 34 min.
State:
6 h 33 min
